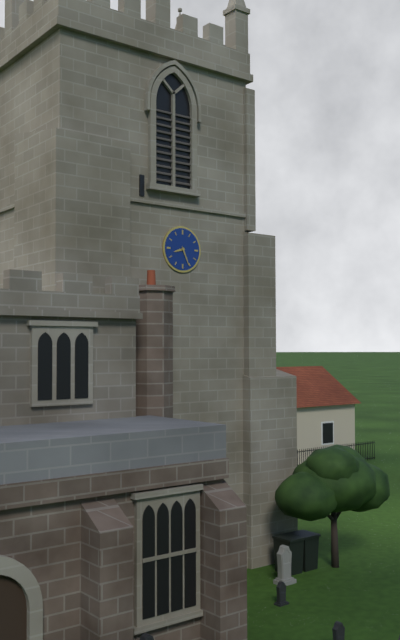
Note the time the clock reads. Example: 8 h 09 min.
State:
8 h 26 min
